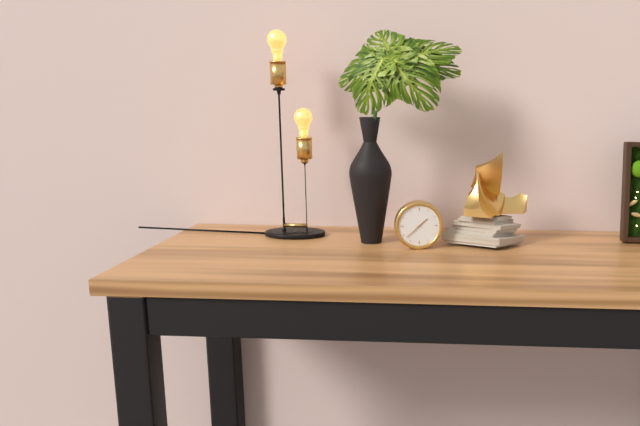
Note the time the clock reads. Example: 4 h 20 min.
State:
1 h 38 min
